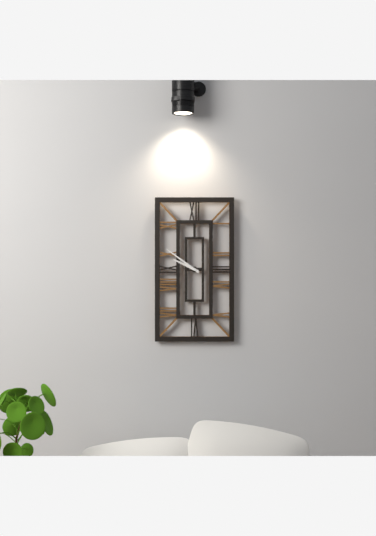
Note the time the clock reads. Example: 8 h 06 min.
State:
9 h 51 min
